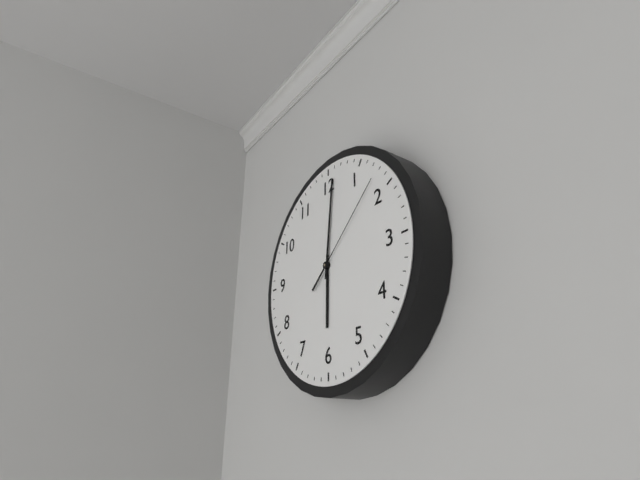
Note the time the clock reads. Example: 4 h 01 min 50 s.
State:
6 h 01 min 08 s
